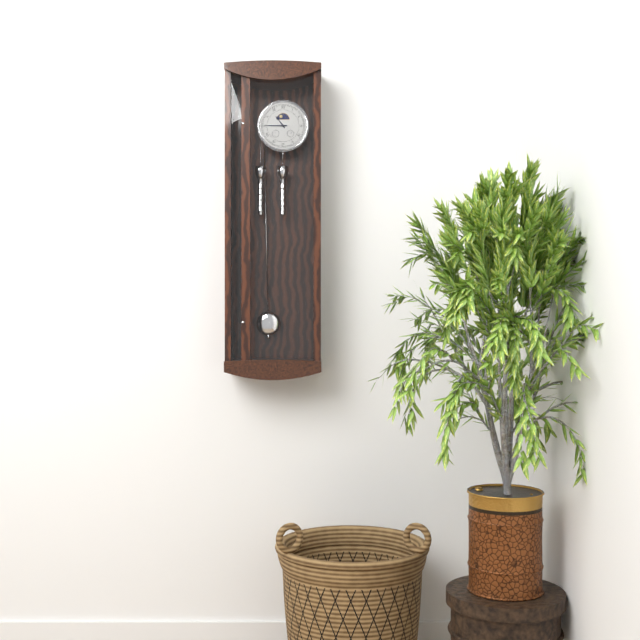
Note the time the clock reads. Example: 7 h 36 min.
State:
10 h 45 min
